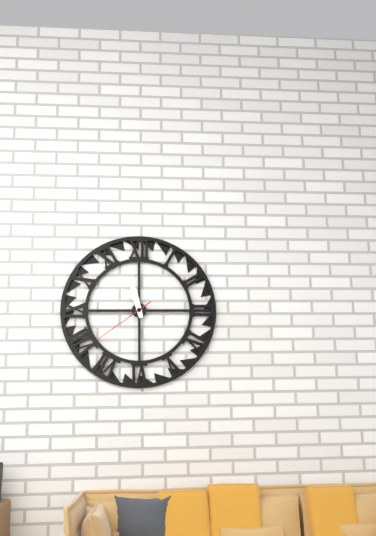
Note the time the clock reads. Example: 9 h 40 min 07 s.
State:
11 h 30 min 39 s
